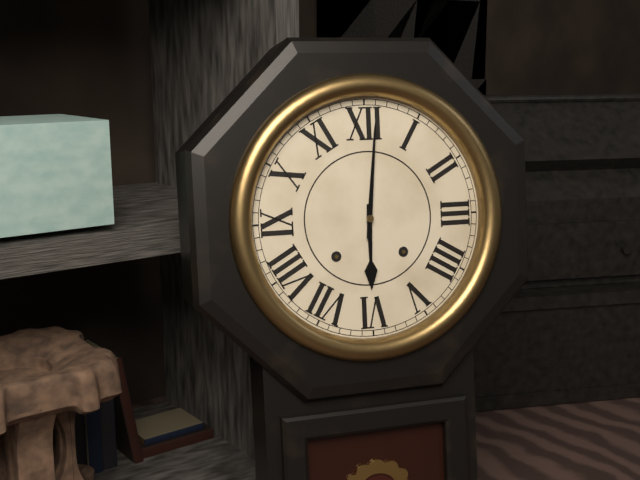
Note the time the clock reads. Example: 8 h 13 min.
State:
6 h 01 min
